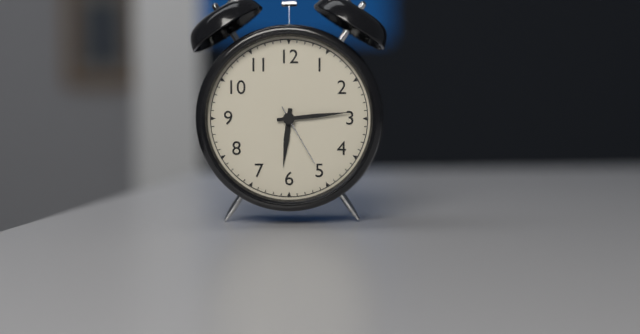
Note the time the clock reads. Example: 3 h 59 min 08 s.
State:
6 h 14 min 25 s
